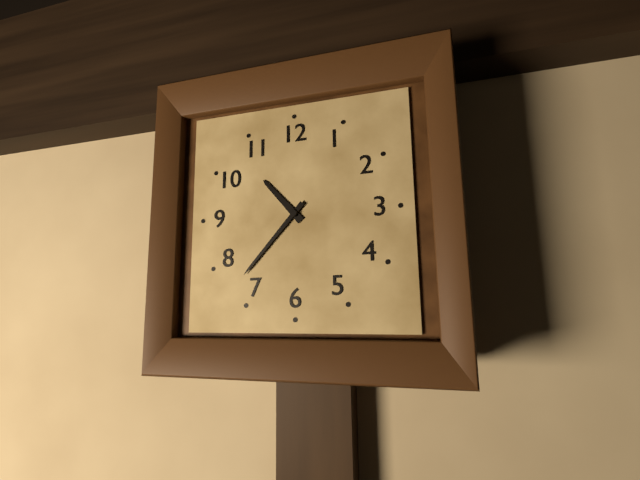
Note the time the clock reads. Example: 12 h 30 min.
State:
10 h 37 min
